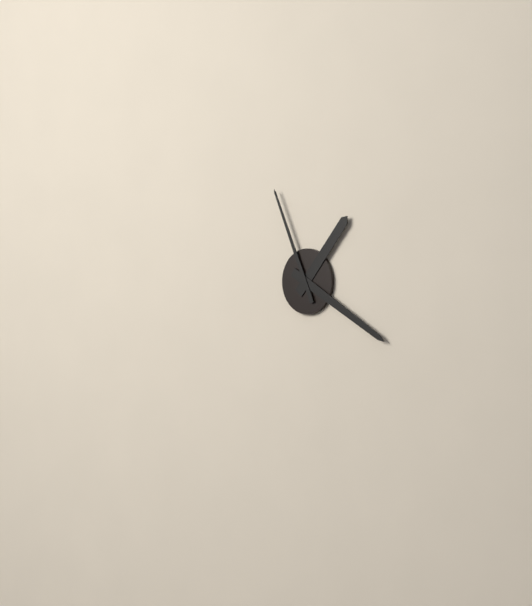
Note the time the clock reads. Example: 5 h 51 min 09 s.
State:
1 h 20 min 56 s
